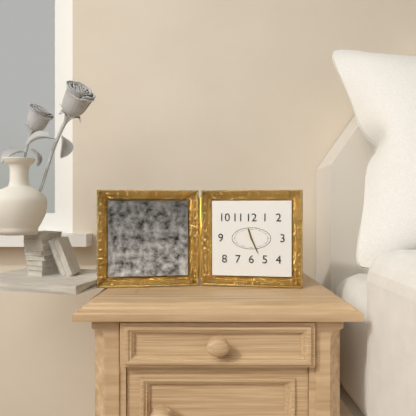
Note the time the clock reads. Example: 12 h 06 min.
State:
11 h 26 min
